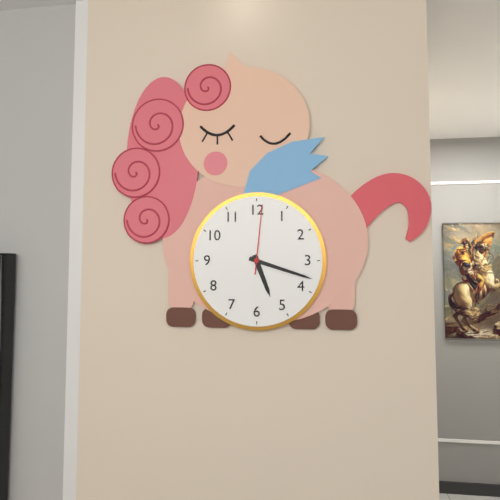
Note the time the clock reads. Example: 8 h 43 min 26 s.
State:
5 h 18 min 01 s
